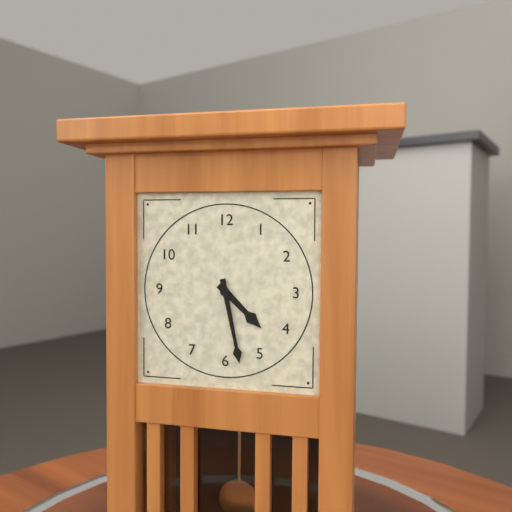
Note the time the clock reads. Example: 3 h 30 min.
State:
4 h 28 min
